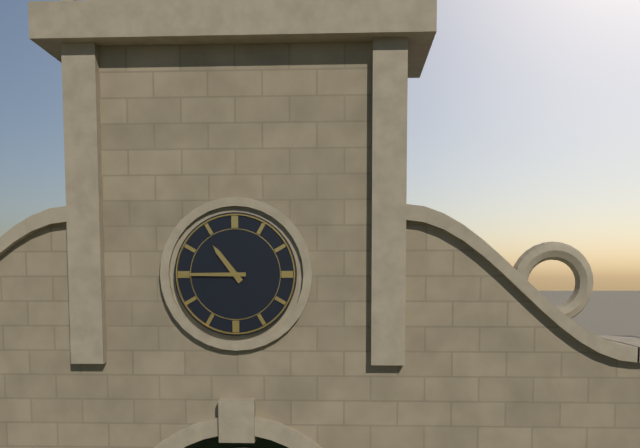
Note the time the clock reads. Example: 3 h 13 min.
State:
10 h 45 min
